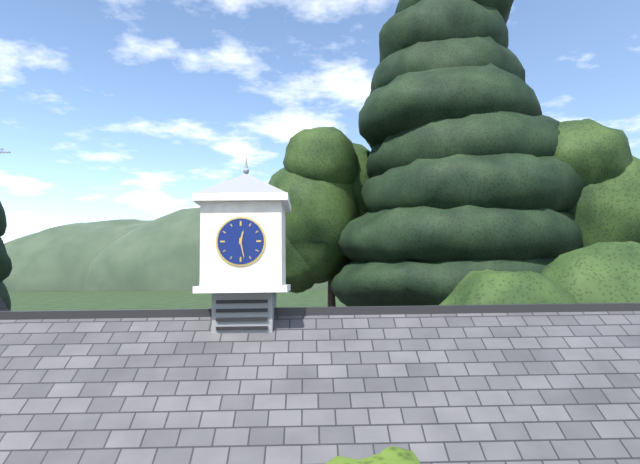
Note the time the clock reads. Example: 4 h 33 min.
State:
12 h 28 min
